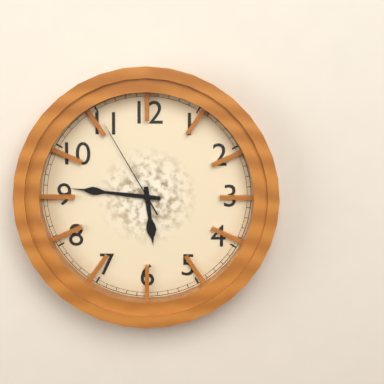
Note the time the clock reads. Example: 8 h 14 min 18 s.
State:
5 h 46 min 55 s
